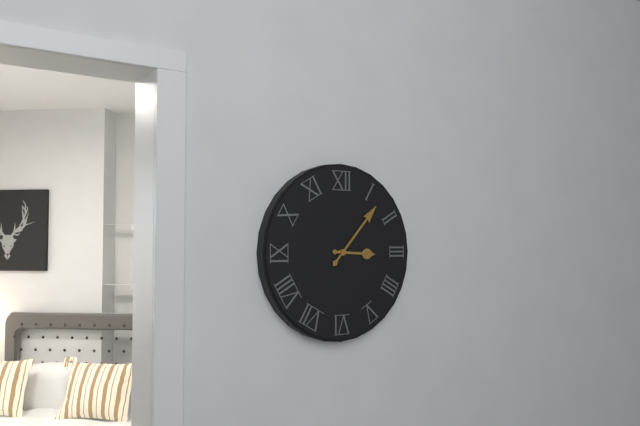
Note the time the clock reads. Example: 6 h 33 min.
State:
3 h 07 min
